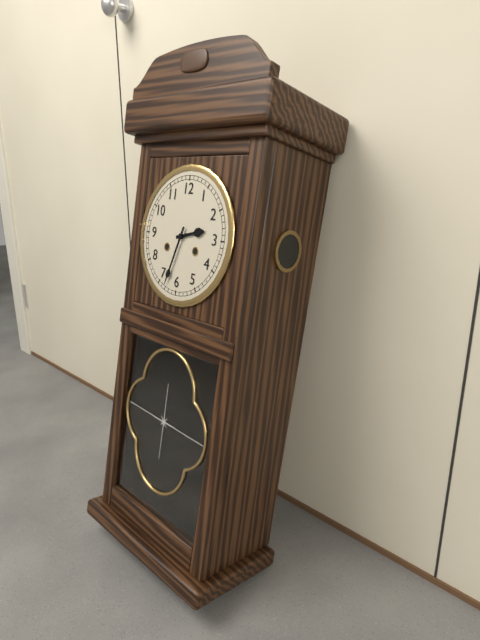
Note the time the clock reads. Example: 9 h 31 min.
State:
2 h 33 min
